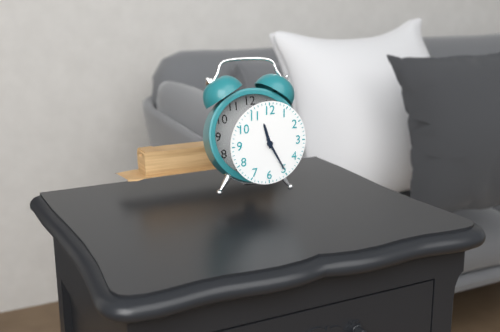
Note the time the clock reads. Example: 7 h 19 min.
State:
11 h 25 min
